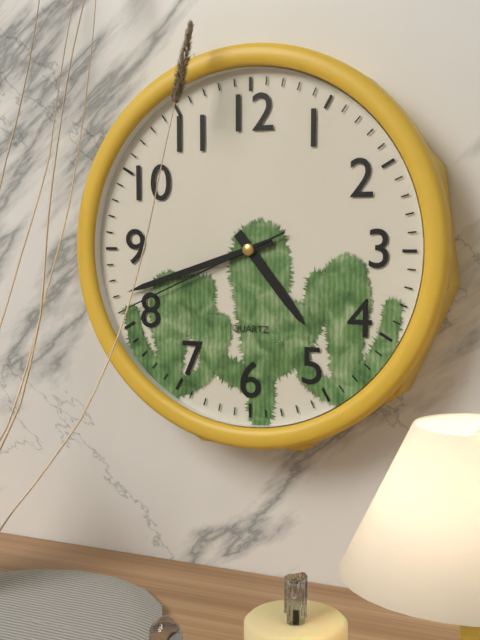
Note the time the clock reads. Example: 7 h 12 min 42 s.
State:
4 h 42 min 41 s
